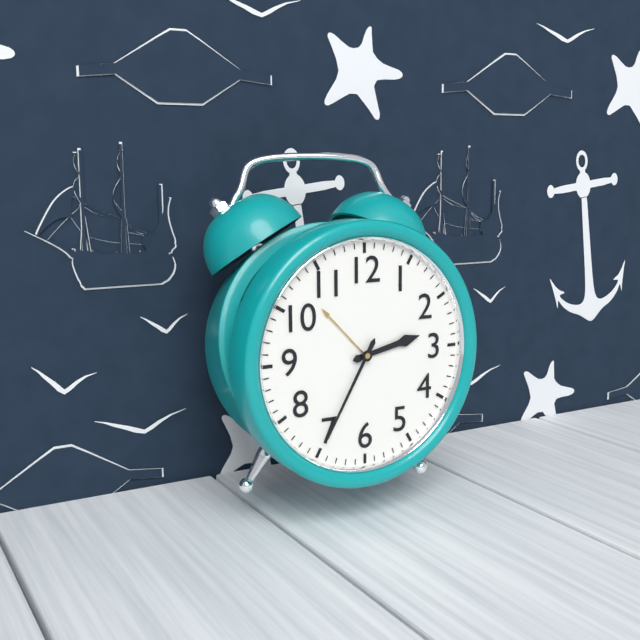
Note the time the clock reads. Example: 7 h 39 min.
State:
2 h 35 min
